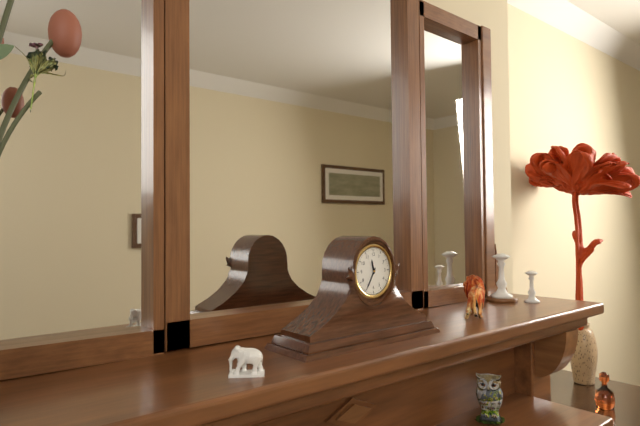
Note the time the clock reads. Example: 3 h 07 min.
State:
11 h 35 min
